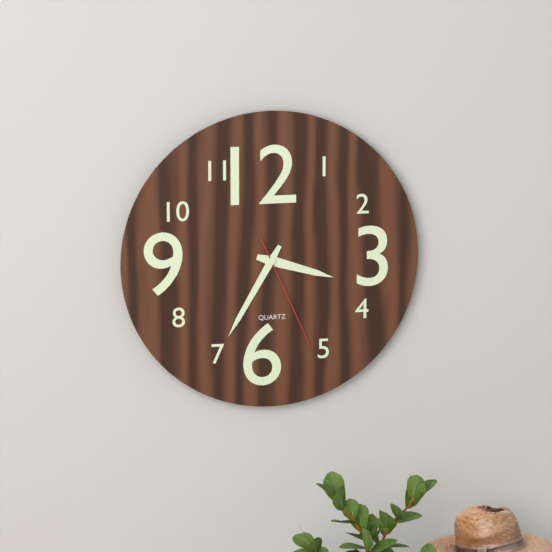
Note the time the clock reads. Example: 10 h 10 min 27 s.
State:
3 h 35 min 26 s
